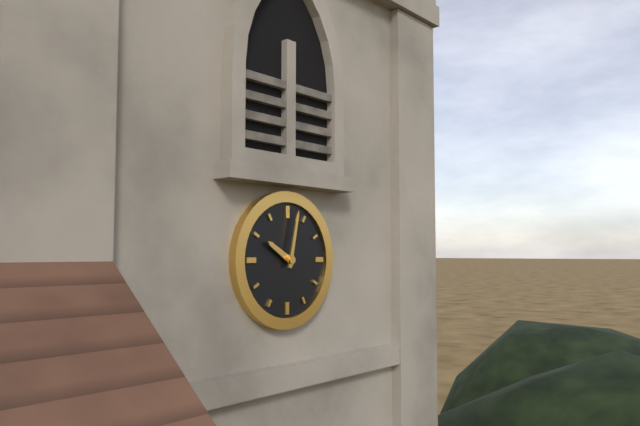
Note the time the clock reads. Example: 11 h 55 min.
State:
10 h 02 min
